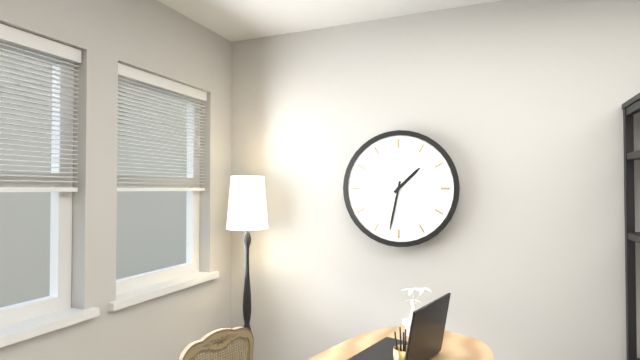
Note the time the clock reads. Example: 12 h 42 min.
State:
1 h 32 min
